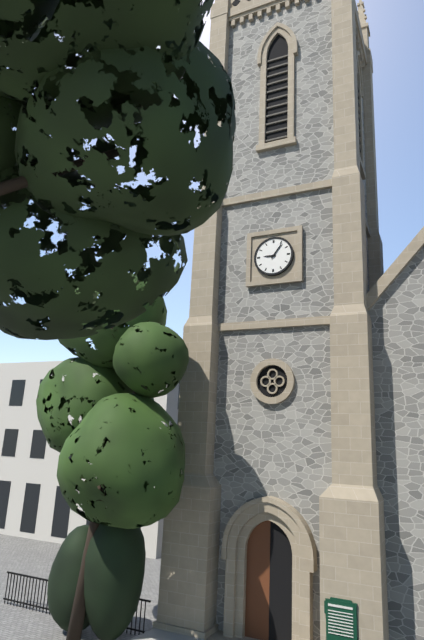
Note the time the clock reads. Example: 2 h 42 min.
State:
9 h 06 min
